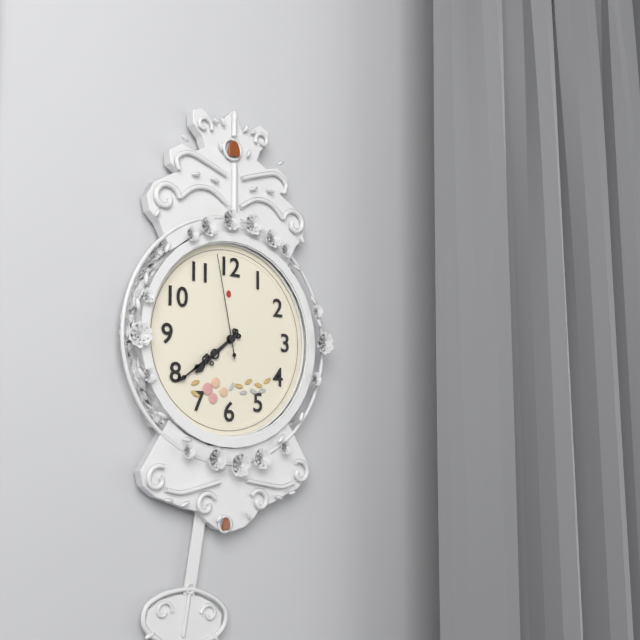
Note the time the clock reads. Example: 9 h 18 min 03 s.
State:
7 h 39 min 58 s
